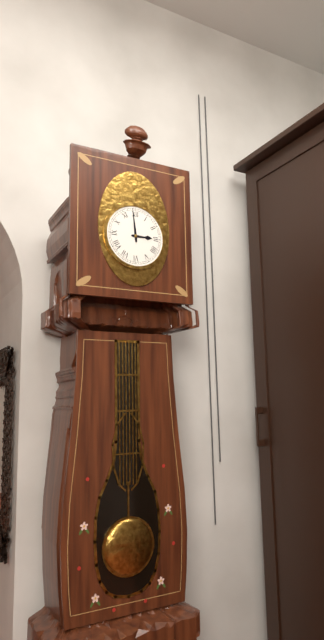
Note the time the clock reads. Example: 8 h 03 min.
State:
2 h 59 min
